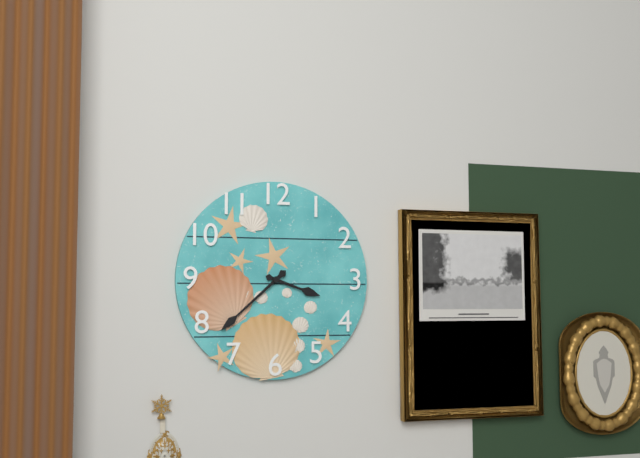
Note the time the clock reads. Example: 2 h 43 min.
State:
3 h 38 min
